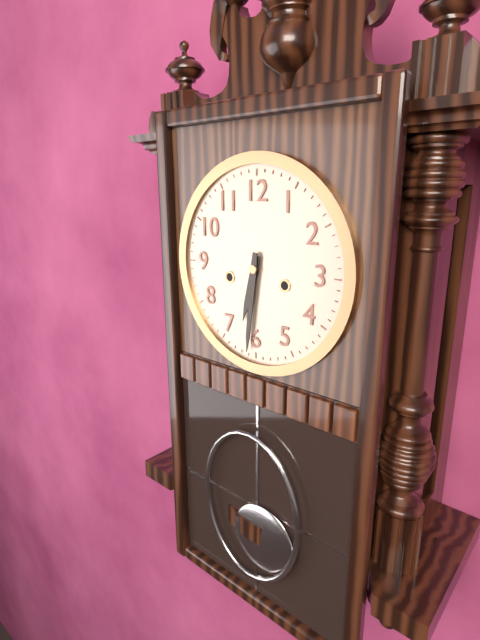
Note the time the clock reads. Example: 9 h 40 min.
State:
6 h 31 min
